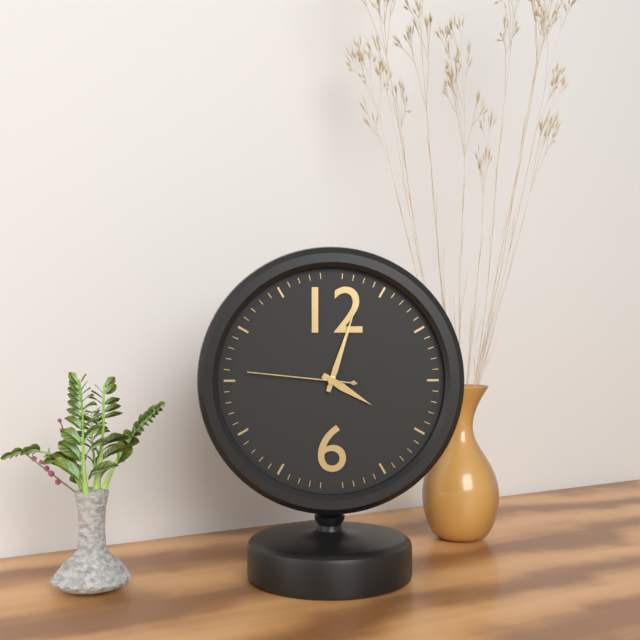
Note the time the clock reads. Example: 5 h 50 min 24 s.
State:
4 h 03 min 46 s
